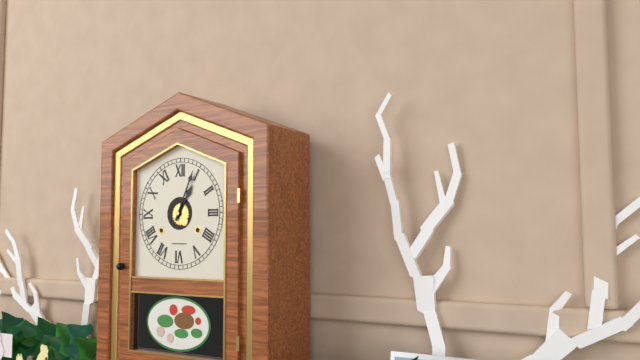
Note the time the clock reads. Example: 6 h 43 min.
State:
1 h 04 min
